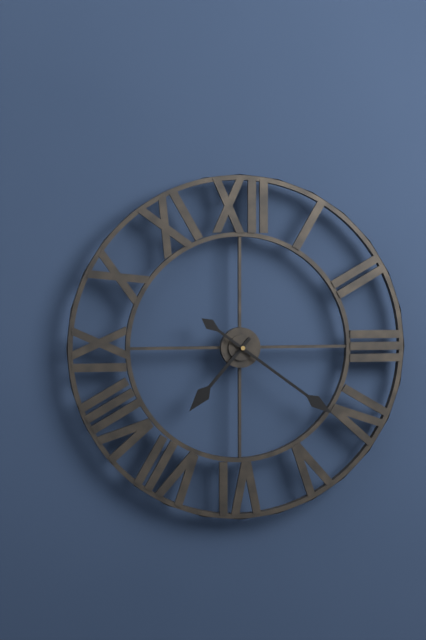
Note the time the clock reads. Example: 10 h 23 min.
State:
7 h 21 min
